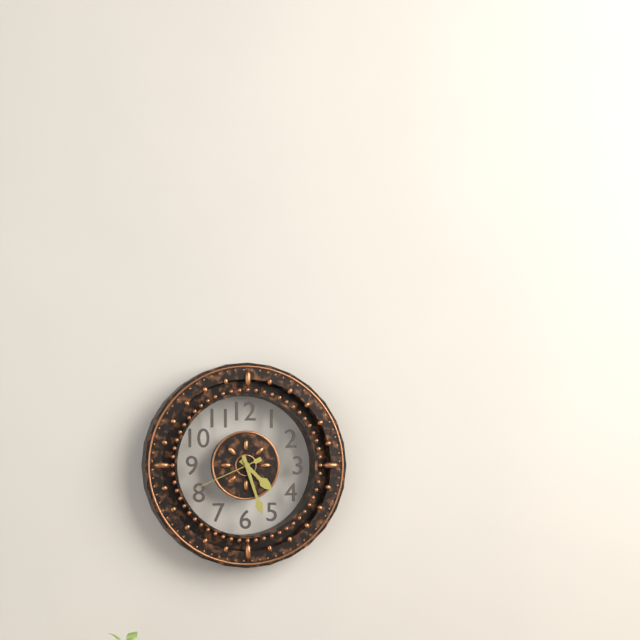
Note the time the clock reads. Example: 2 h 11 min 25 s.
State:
4 h 27 min 41 s
